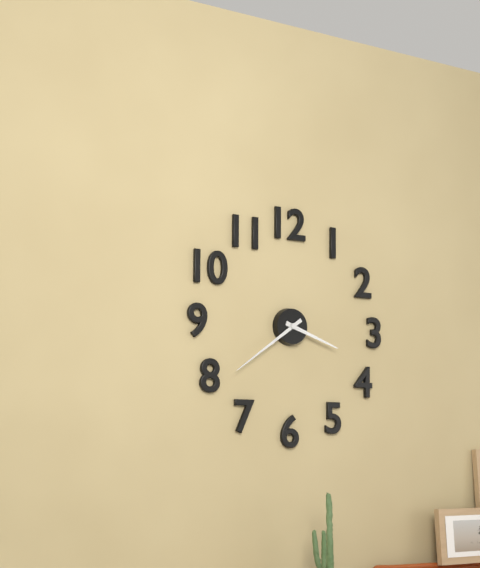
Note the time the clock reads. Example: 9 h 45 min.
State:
3 h 39 min
